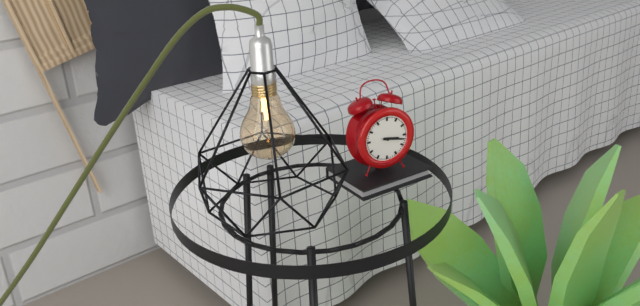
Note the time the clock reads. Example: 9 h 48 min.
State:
3 h 17 min
